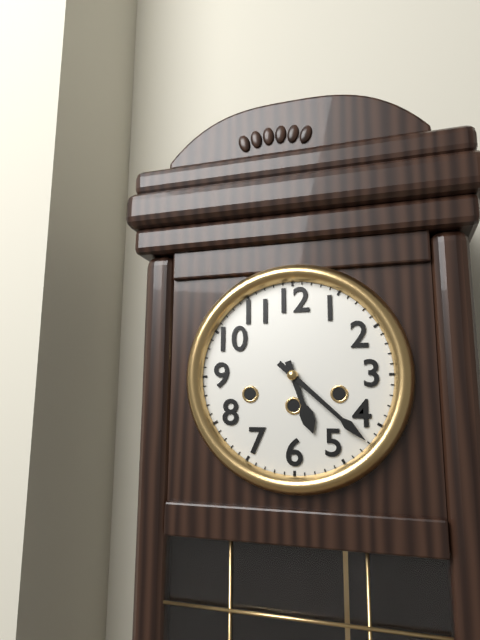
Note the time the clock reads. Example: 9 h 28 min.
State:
5 h 22 min
